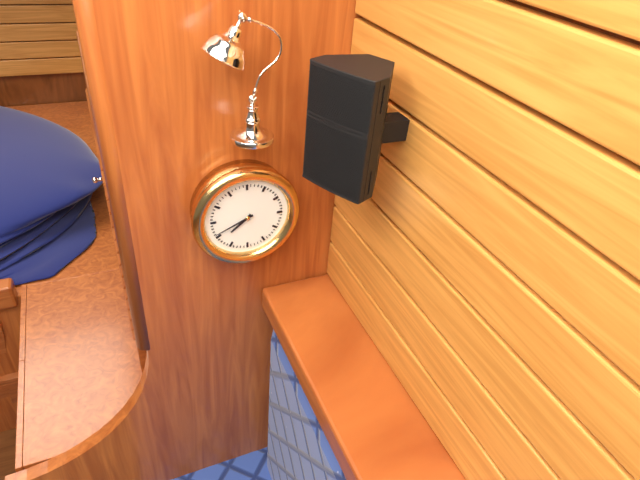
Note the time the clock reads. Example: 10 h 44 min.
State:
7 h 41 min
